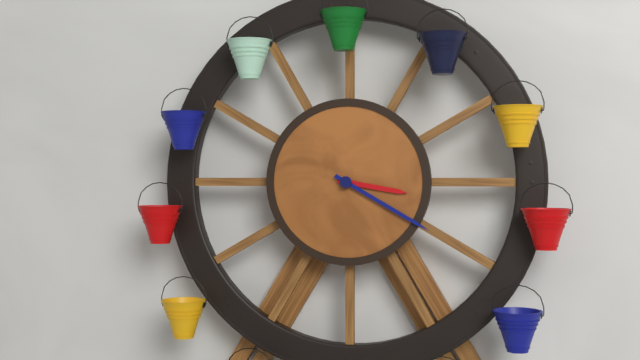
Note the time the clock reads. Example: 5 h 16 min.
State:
3 h 20 min
